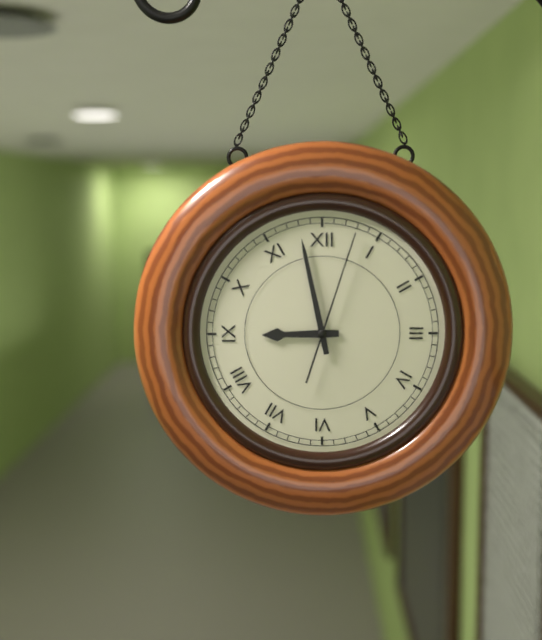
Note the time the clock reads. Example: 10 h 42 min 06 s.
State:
8 h 58 min 03 s
